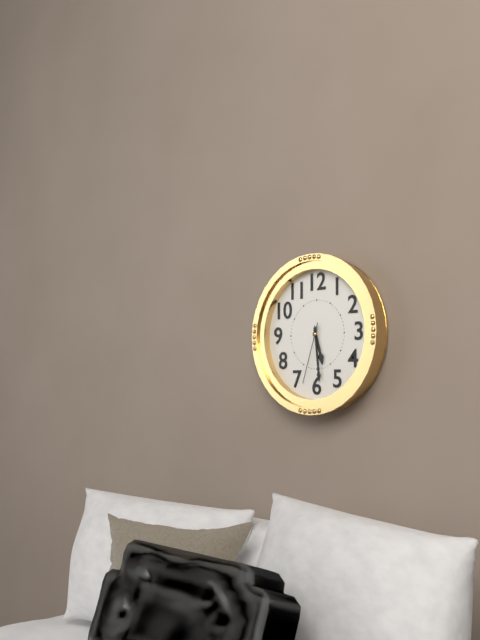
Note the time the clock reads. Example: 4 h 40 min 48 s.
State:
5 h 29 min 33 s
